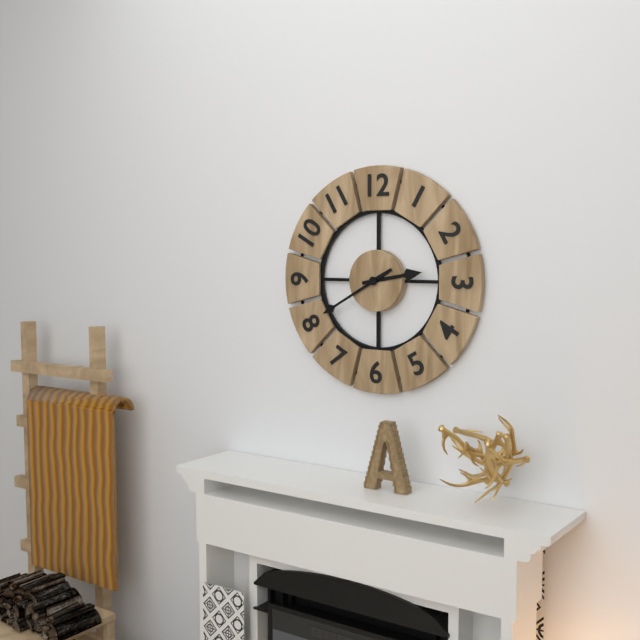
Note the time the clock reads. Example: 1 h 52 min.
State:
2 h 40 min
